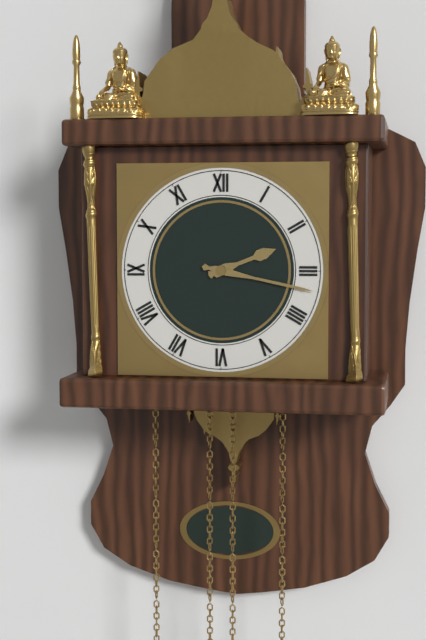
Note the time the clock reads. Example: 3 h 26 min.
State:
2 h 17 min
